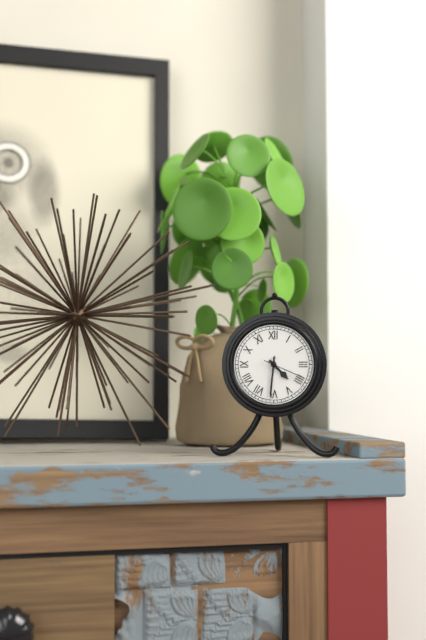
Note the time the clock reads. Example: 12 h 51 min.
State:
4 h 31 min
